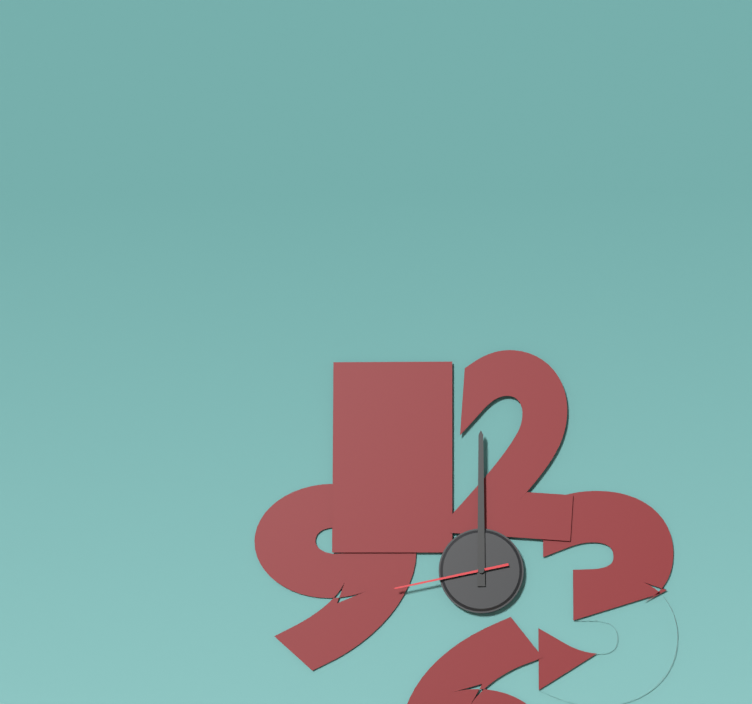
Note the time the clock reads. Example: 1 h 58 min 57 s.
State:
12 h 00 min 43 s
